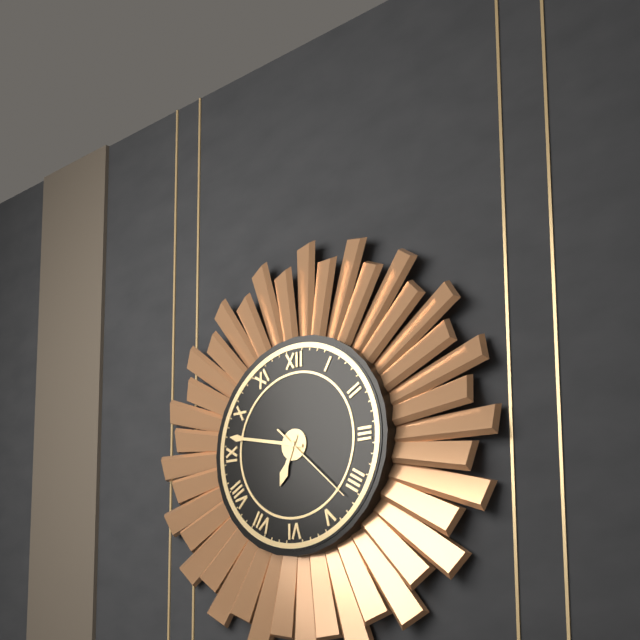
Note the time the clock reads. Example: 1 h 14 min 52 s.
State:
6 h 47 min 22 s
